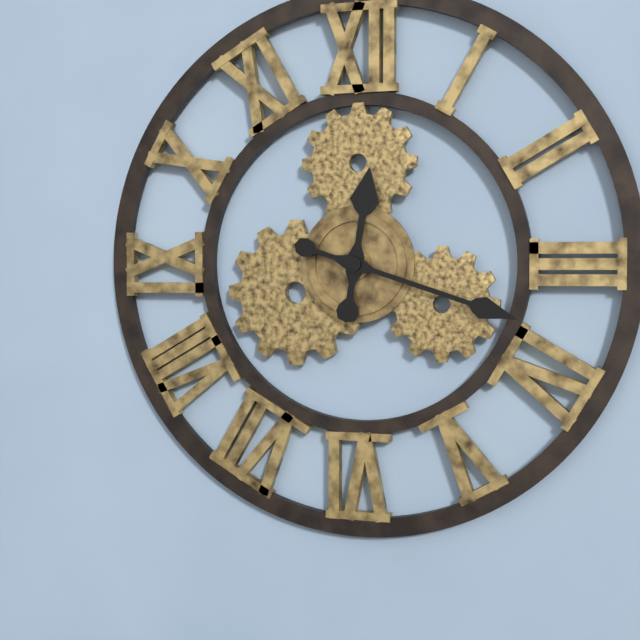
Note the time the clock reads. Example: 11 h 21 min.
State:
12 h 18 min
